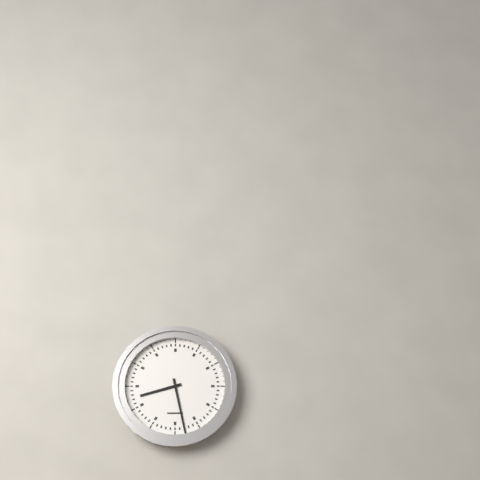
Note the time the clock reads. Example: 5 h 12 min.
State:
8 h 28 min
